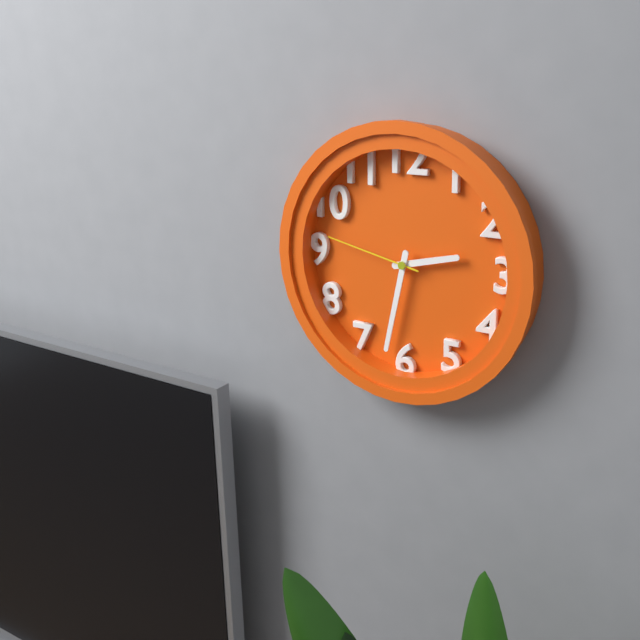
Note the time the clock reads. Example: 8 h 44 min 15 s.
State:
2 h 32 min 47 s
